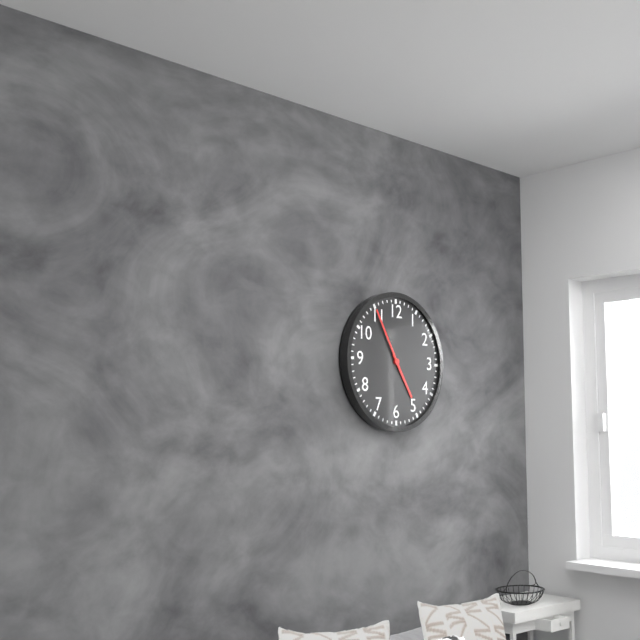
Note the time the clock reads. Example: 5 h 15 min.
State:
4 h 55 min
